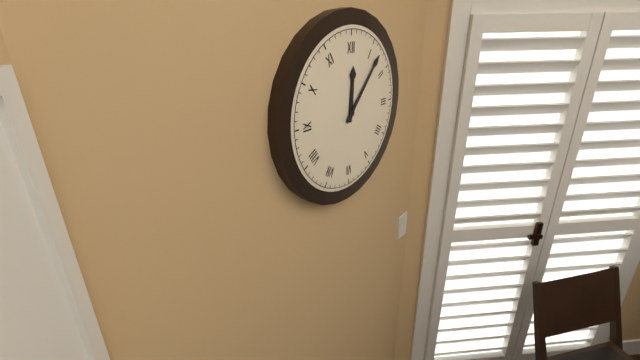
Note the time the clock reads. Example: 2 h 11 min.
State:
12 h 07 min
